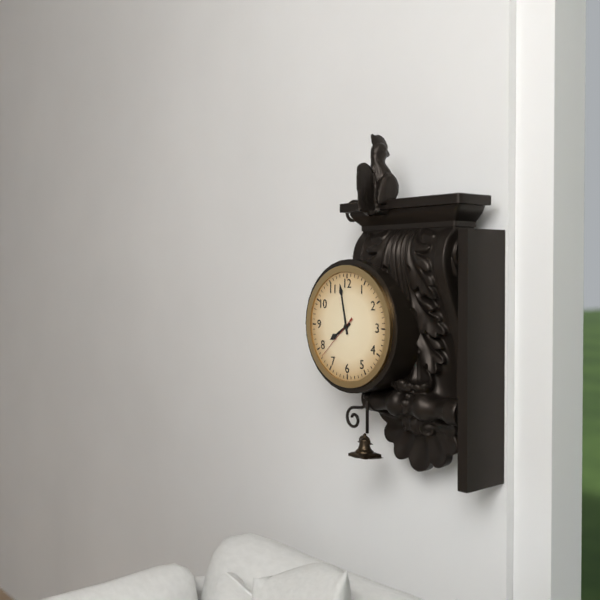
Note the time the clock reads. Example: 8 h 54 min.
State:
7 h 58 min
